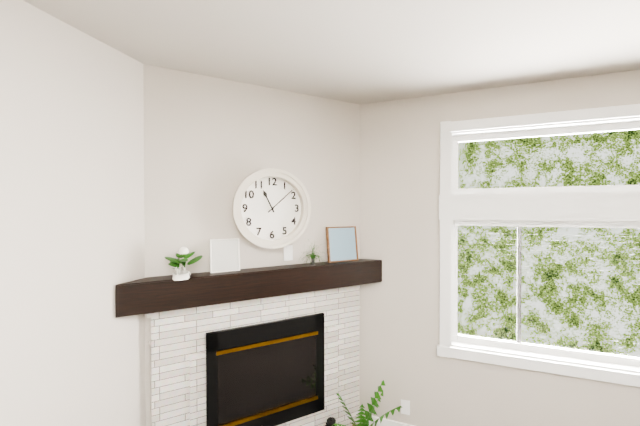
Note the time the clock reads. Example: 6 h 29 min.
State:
11 h 08 min
